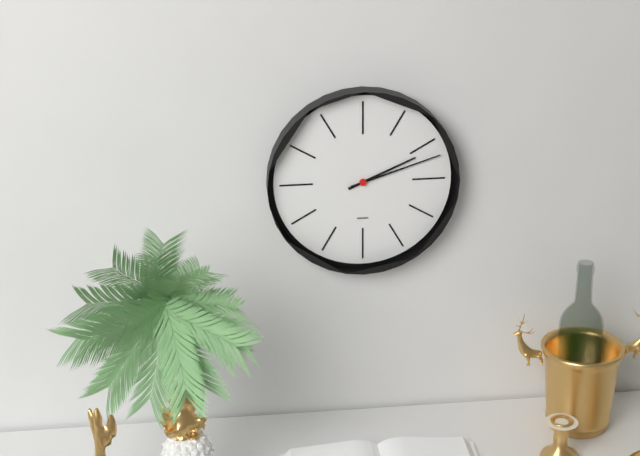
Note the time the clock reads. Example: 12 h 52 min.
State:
2 h 12 min
